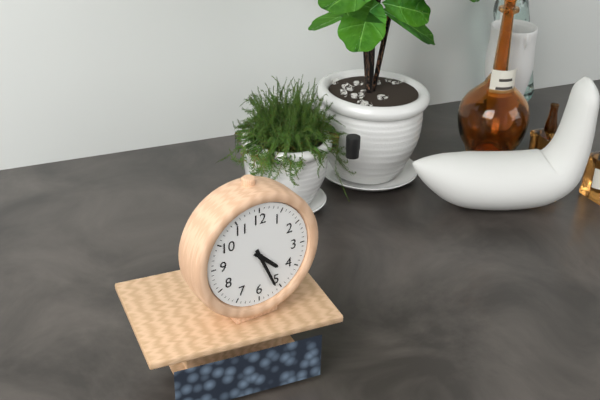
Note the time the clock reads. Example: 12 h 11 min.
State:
4 h 26 min
